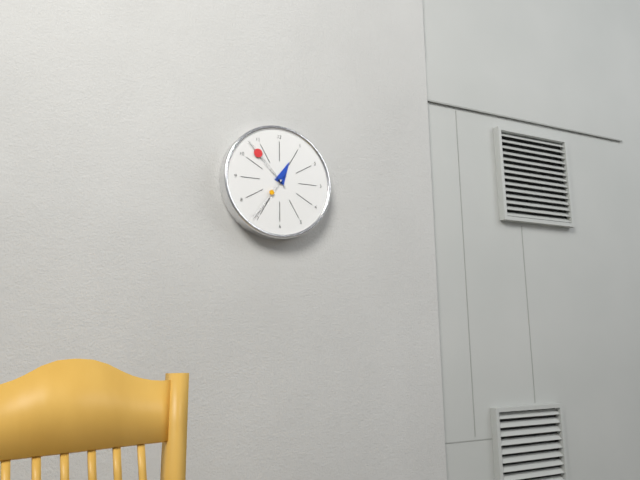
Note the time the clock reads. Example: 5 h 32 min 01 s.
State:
12 h 53 min 36 s
